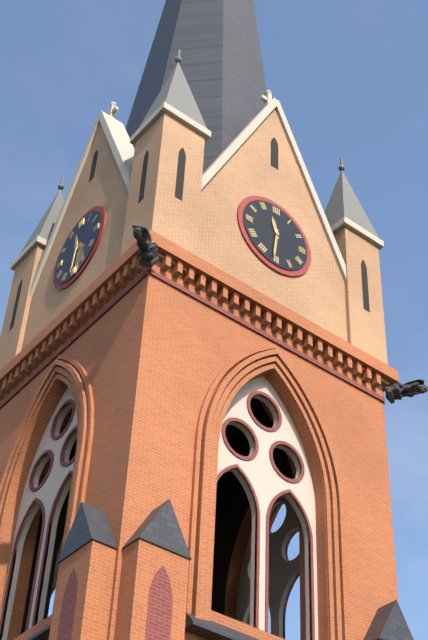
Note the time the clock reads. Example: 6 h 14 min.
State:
11 h 31 min
